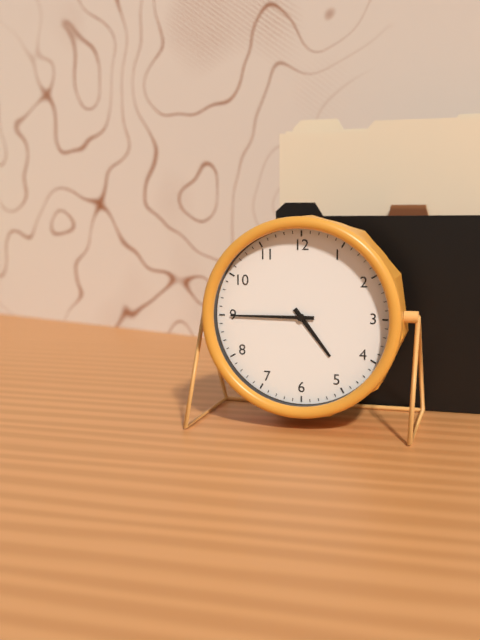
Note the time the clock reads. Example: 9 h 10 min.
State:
4 h 45 min
